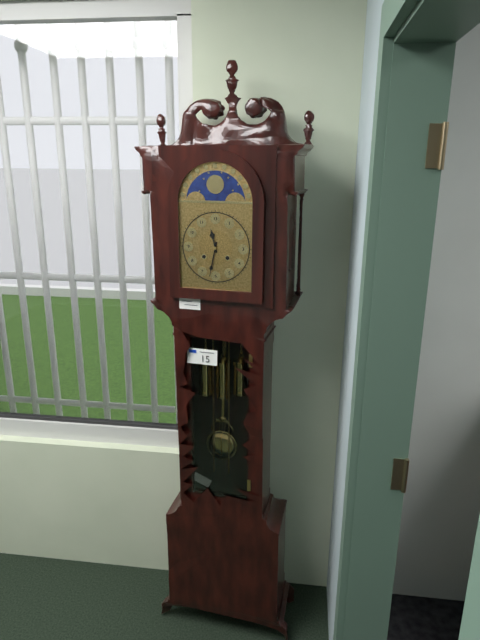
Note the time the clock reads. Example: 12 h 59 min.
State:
11 h 32 min
